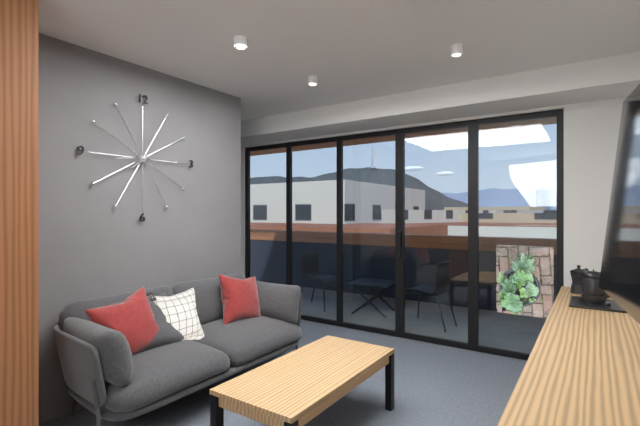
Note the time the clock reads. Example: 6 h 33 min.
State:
7 h 44 min
